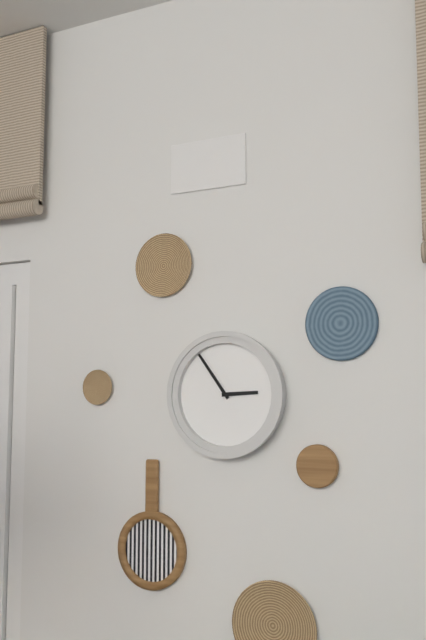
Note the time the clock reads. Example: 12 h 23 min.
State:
2 h 54 min
